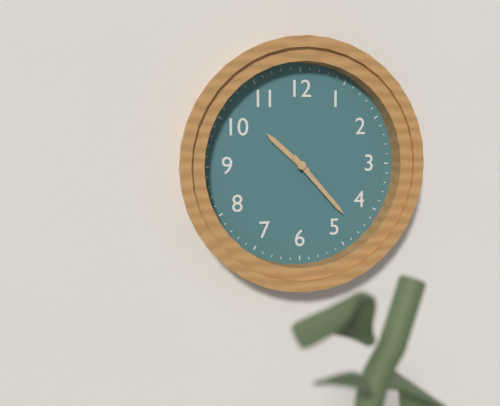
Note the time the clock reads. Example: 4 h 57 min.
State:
10 h 23 min
